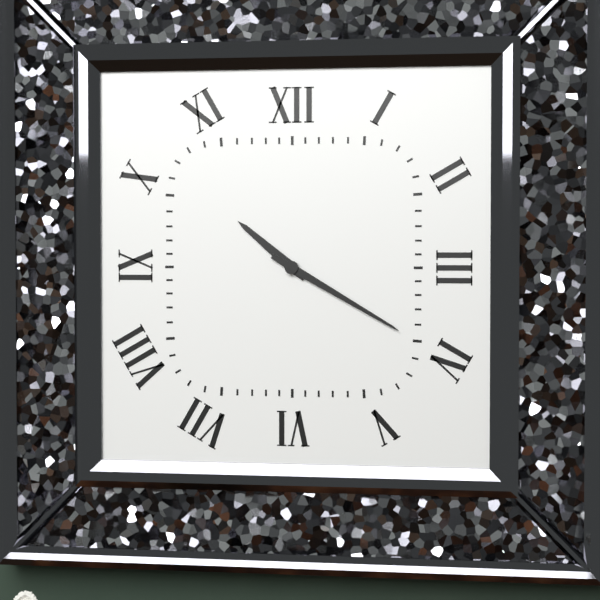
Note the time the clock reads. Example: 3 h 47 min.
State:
10 h 20 min
